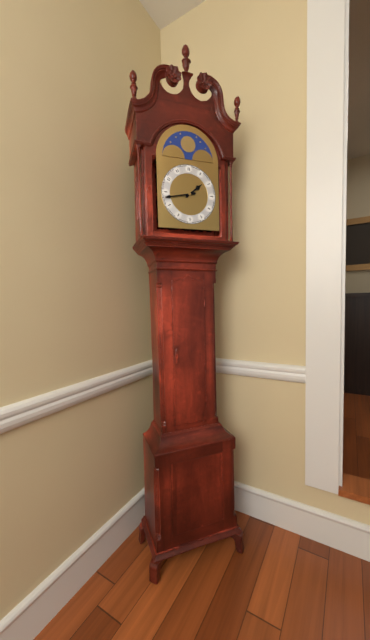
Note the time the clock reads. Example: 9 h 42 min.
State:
1 h 43 min
